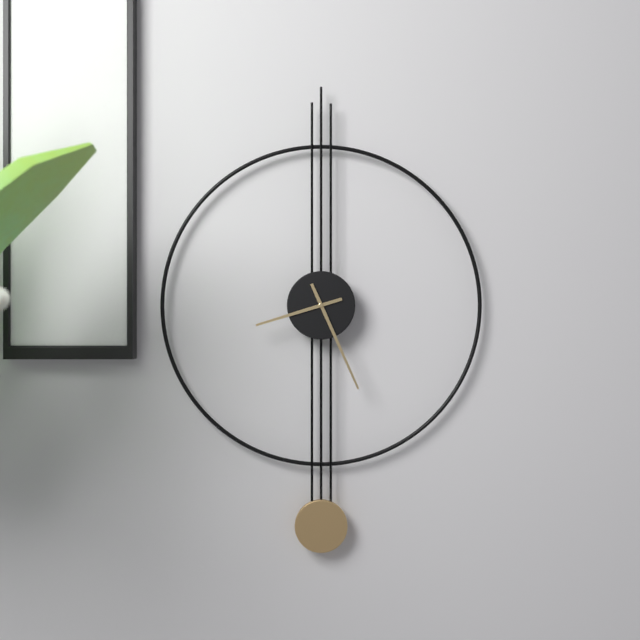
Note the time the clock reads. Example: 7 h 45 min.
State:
8 h 26 min
